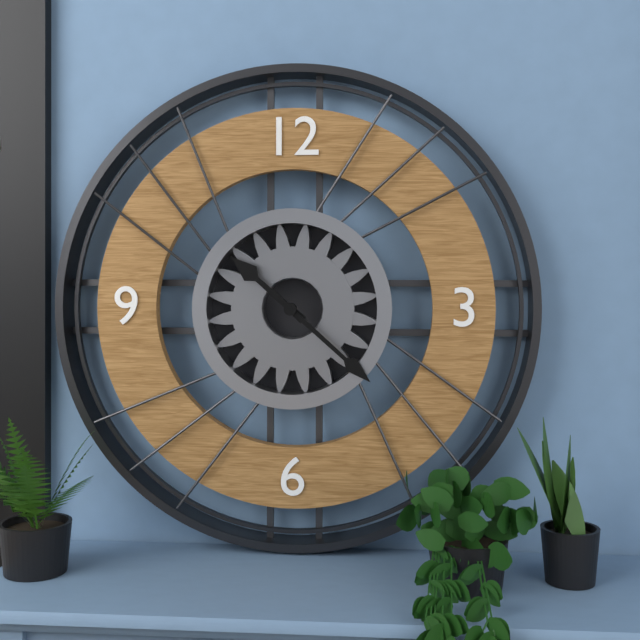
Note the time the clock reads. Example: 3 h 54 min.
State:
10 h 22 min
